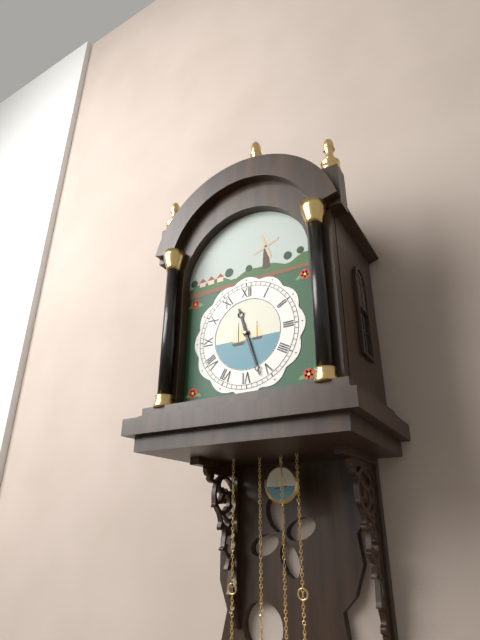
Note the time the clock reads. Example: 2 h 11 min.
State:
11 h 27 min
